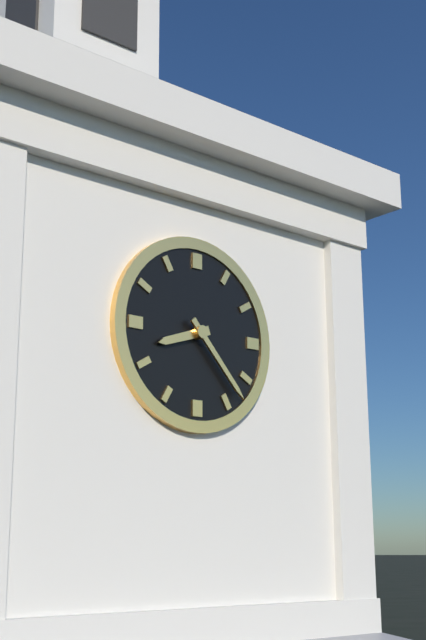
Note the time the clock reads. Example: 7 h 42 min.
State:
8 h 23 min
